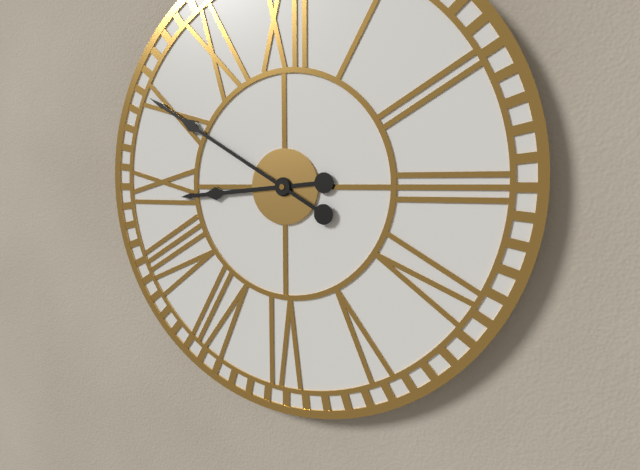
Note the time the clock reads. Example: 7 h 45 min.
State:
8 h 50 min
